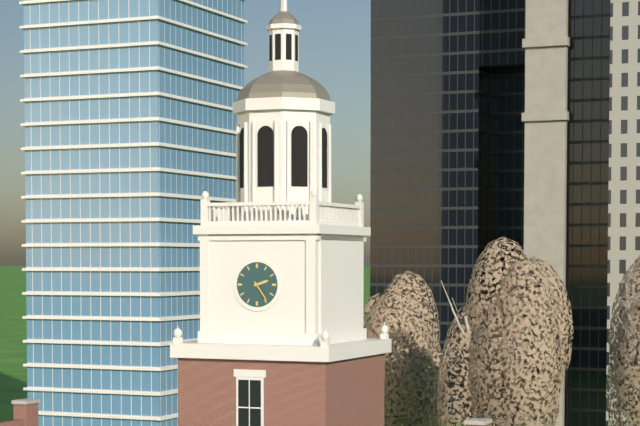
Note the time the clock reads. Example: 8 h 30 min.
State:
2 h 24 min
